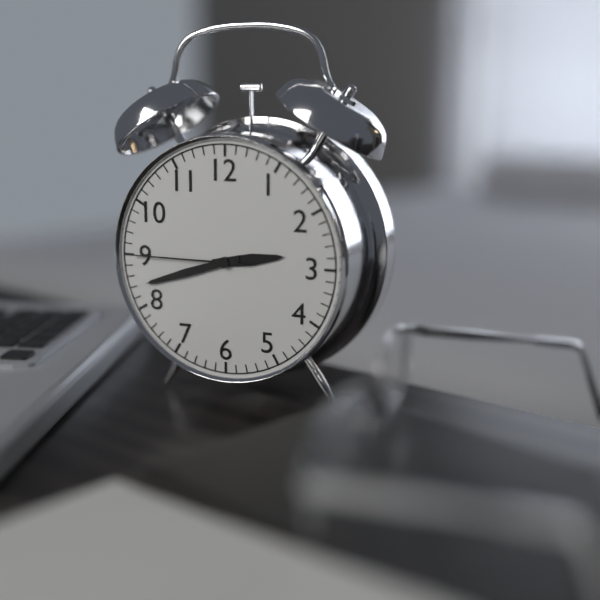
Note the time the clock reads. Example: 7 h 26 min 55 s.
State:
2 h 42 min 45 s
